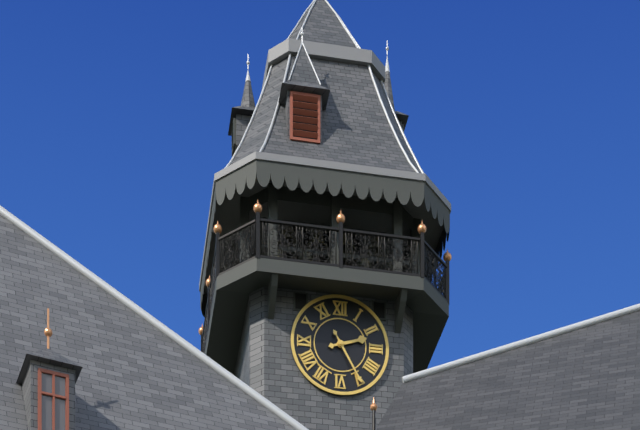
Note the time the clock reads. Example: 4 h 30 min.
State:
2 h 25 min
